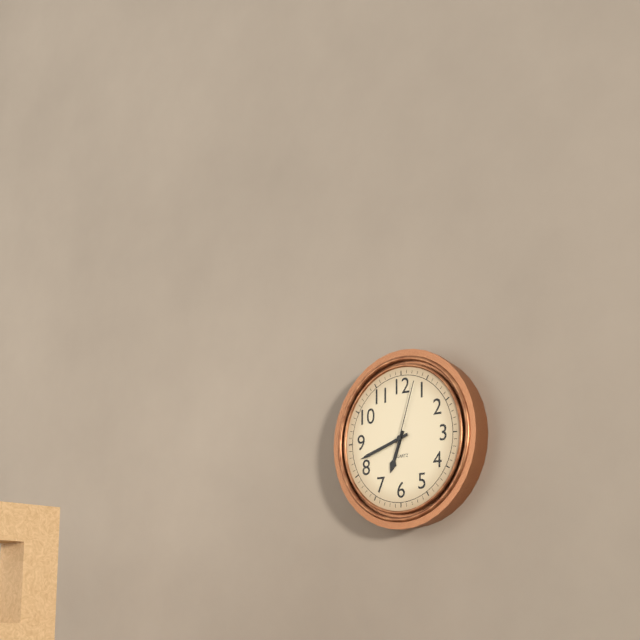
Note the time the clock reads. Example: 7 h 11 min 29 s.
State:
6 h 42 min 03 s
